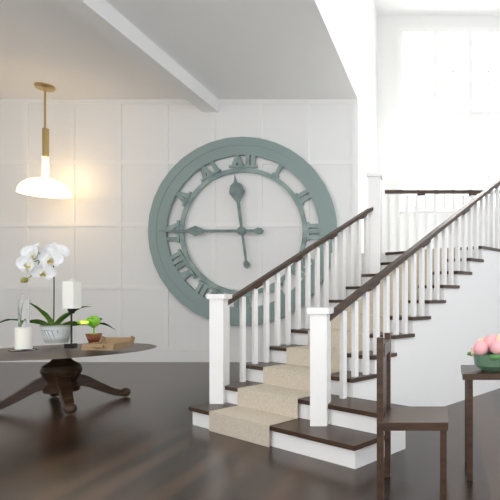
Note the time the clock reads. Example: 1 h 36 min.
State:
11 h 45 min
